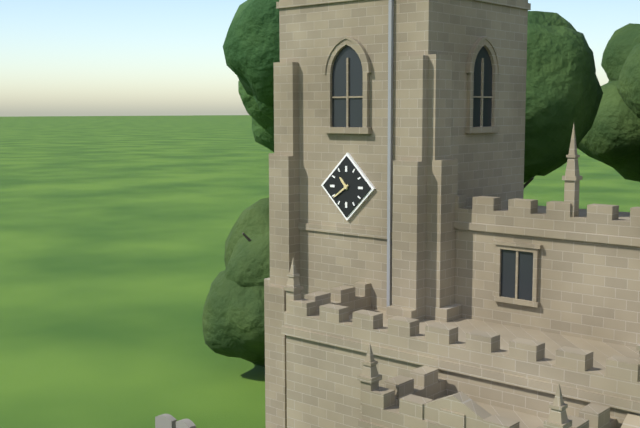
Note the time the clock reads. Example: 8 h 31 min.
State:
10 h 39 min
